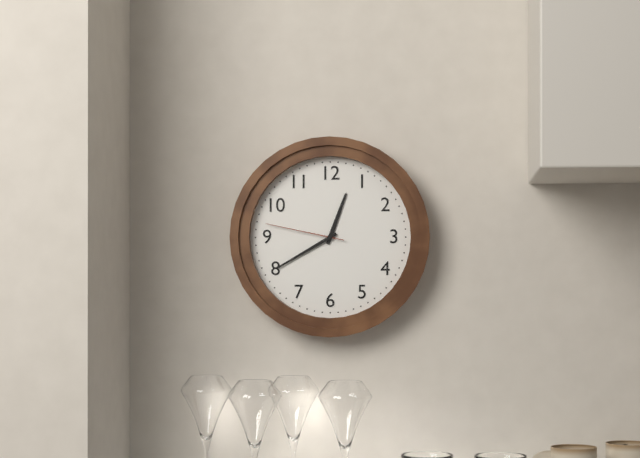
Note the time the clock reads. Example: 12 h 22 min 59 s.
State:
12 h 40 min 47 s
